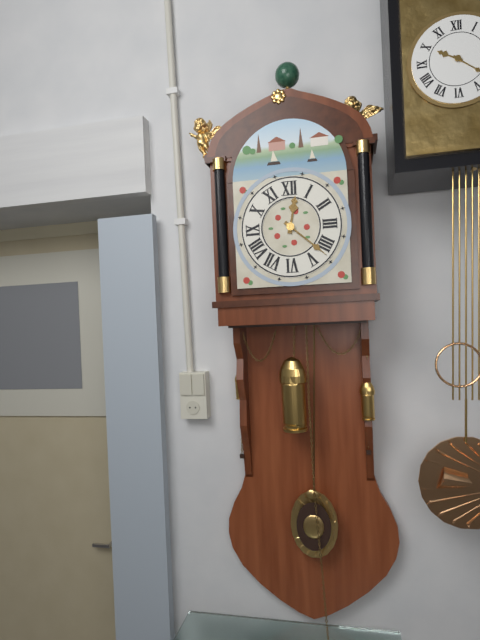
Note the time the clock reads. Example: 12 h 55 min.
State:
12 h 22 min
